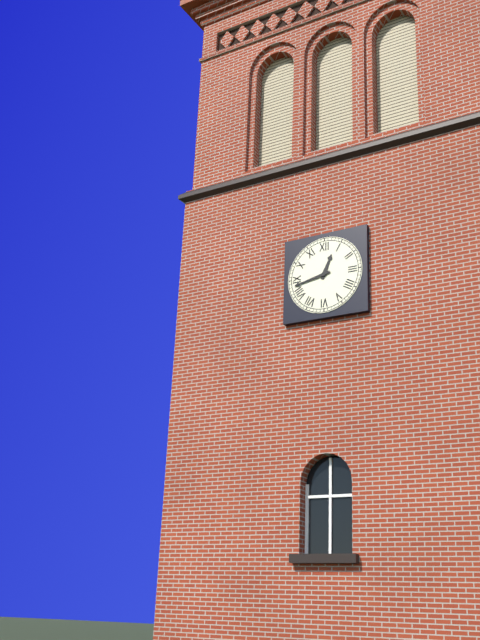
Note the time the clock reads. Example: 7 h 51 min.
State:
12 h 43 min
